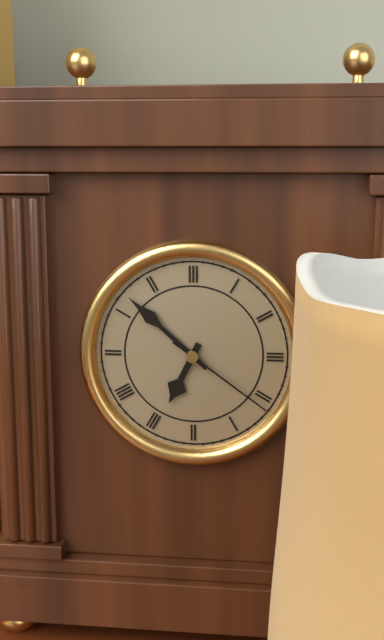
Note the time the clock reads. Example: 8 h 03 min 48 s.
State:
6 h 52 min 21 s
